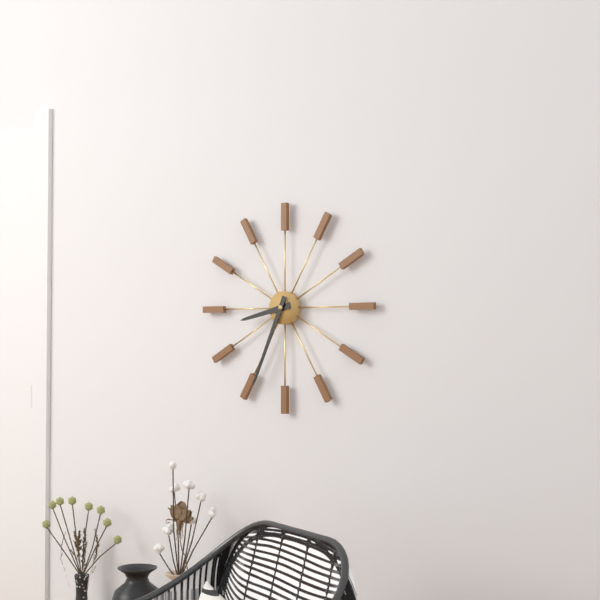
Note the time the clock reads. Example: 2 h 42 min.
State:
8 h 34 min
